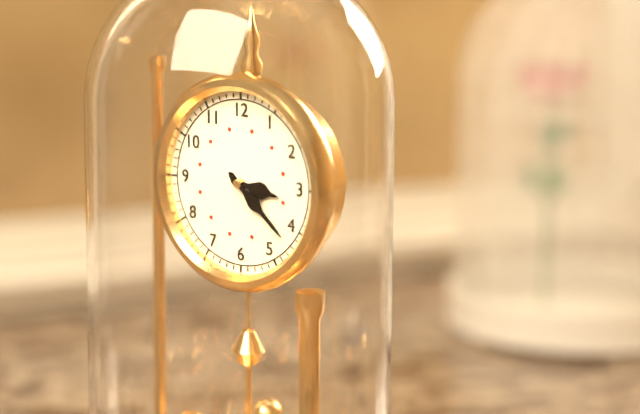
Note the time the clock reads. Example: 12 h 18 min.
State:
3 h 22 min
